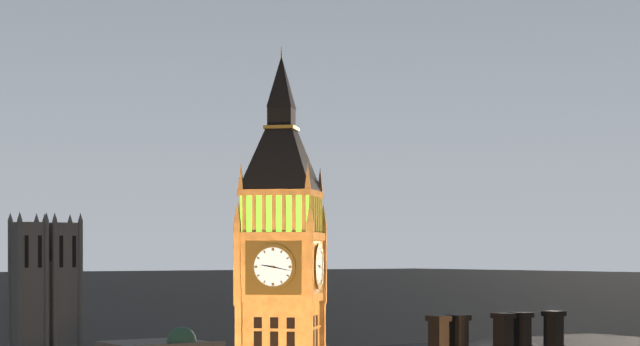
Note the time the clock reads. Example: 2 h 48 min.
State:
9 h 17 min
